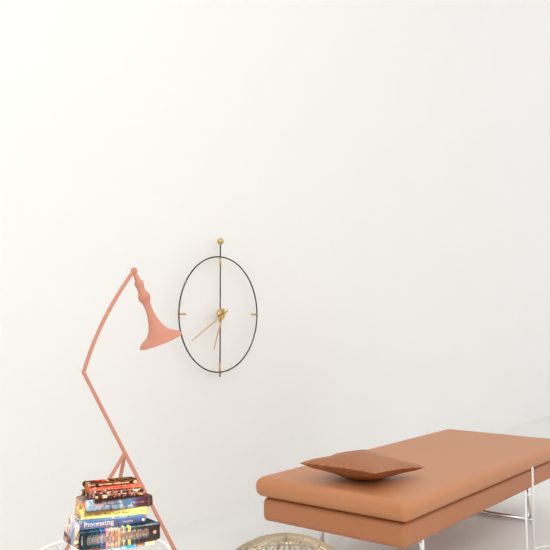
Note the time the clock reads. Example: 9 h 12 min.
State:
6 h 40 min
